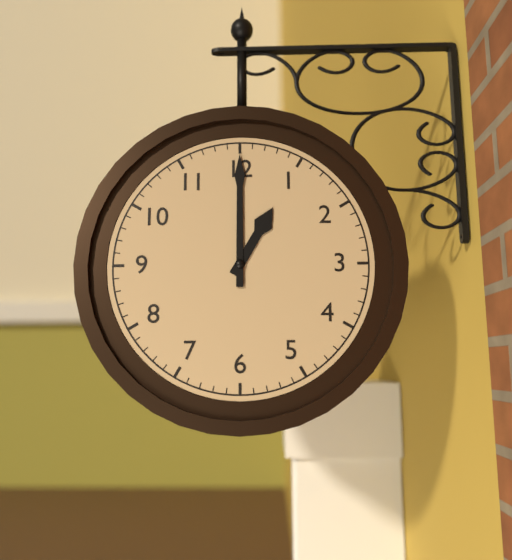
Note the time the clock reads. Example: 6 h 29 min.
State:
1 h 00 min
